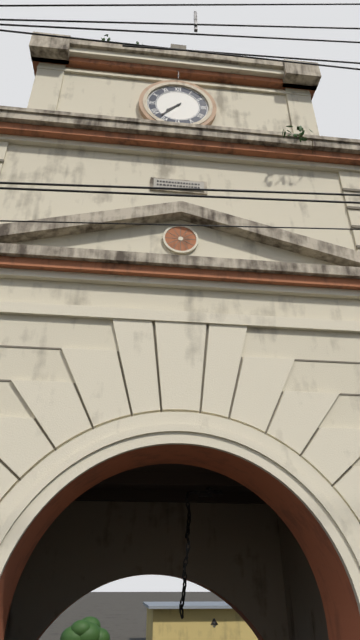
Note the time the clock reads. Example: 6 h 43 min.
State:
7 h 37 min
